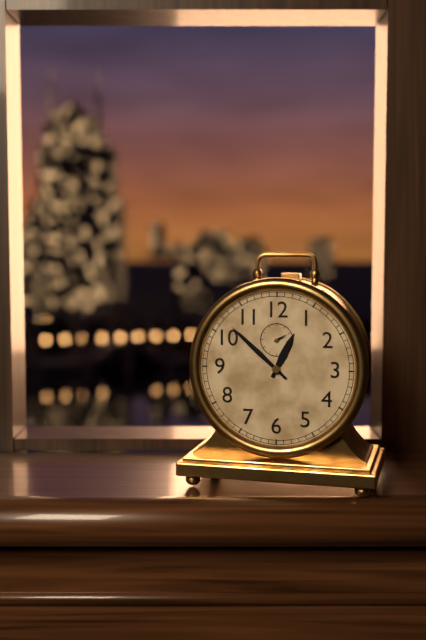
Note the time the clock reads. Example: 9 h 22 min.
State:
12 h 52 min
